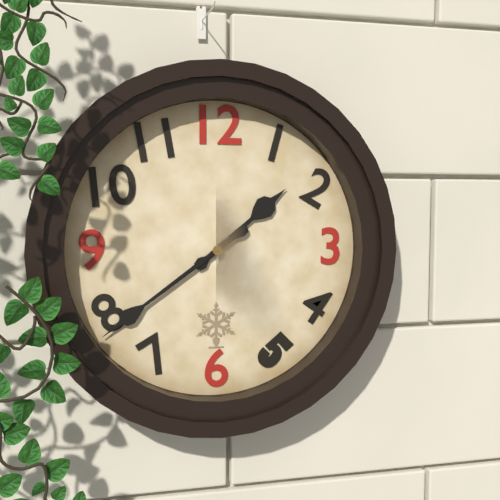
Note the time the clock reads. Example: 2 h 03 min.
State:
1 h 39 min
